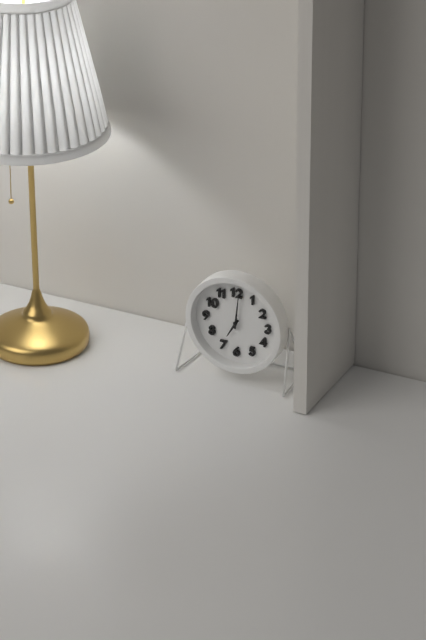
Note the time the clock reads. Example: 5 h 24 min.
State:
7 h 01 min
